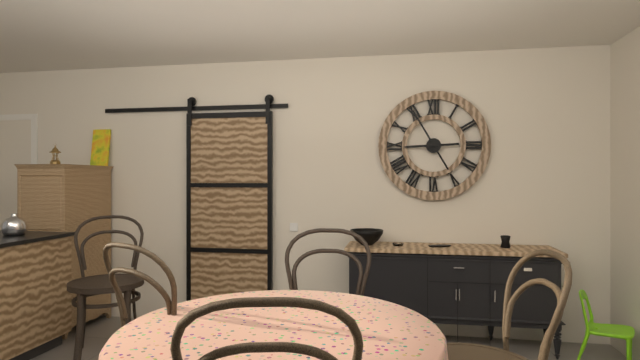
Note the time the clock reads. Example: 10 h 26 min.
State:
8 h 55 min
